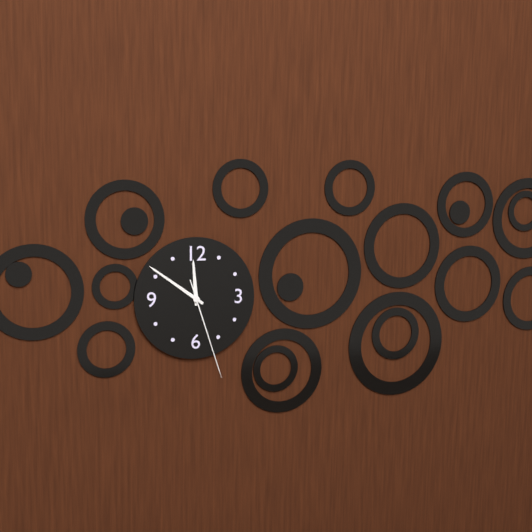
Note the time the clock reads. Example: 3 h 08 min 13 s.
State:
11 h 51 min 27 s
